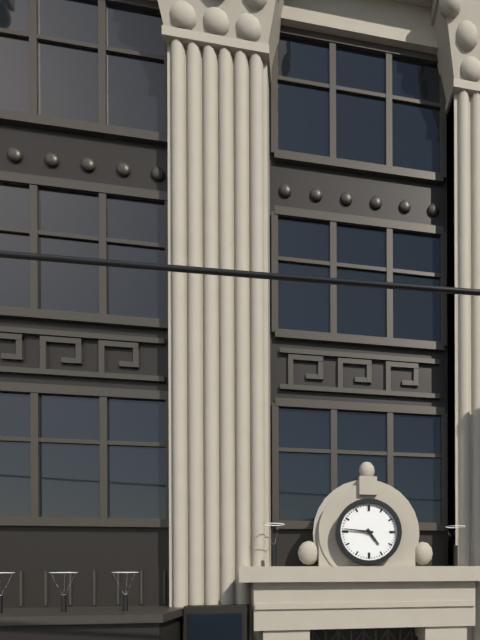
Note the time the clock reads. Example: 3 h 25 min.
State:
4 h 46 min
